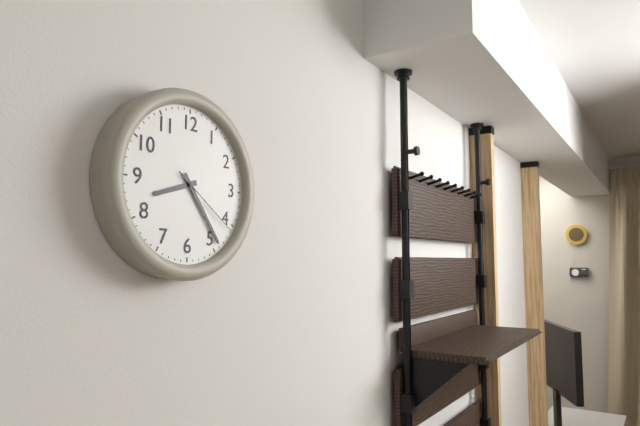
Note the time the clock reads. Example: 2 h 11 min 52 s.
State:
8 h 24 min 21 s
